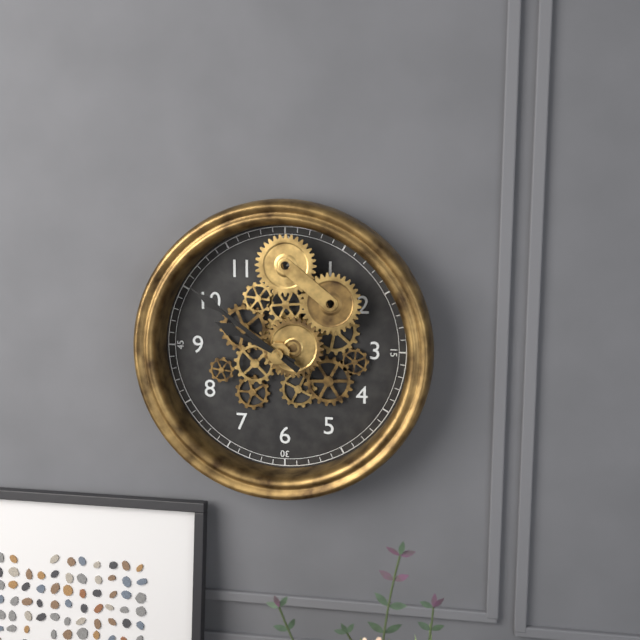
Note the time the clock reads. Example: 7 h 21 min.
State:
9 h 51 min
